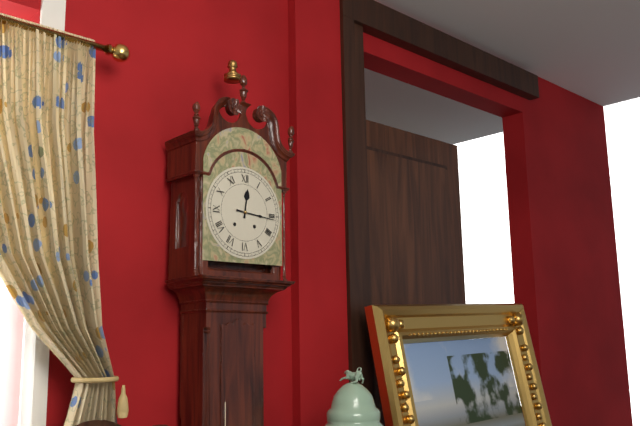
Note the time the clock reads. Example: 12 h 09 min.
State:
12 h 16 min
